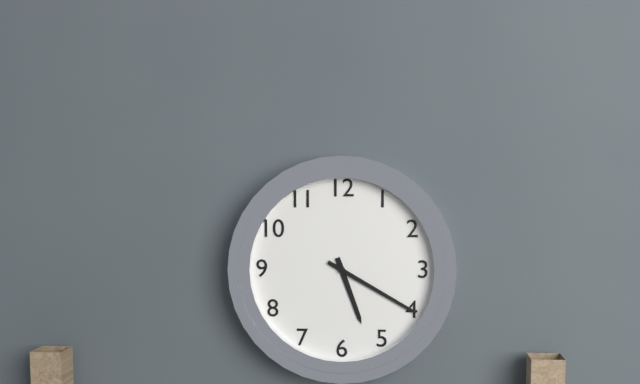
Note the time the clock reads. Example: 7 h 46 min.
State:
5 h 20 min
